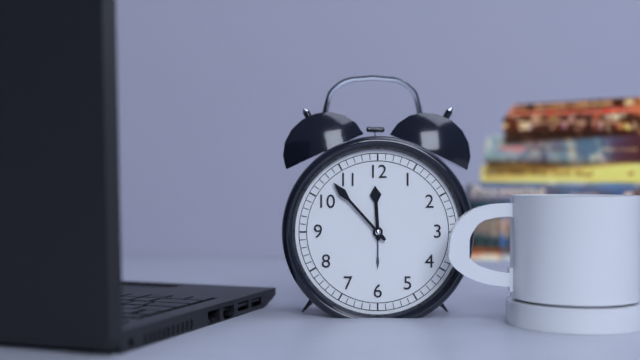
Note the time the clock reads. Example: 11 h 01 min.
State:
11 h 53 min
